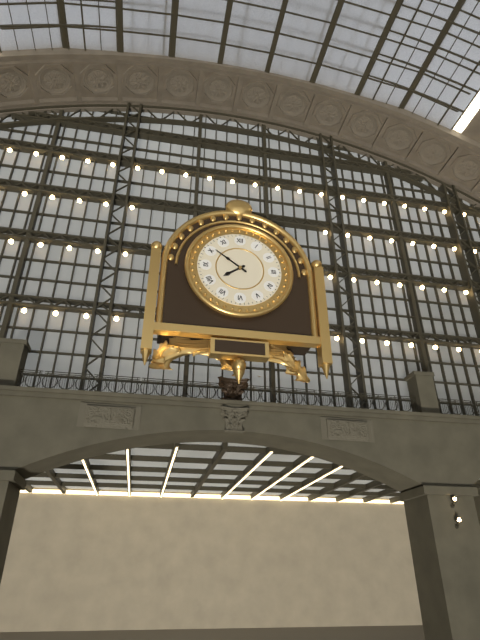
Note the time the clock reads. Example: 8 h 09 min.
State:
7 h 51 min
